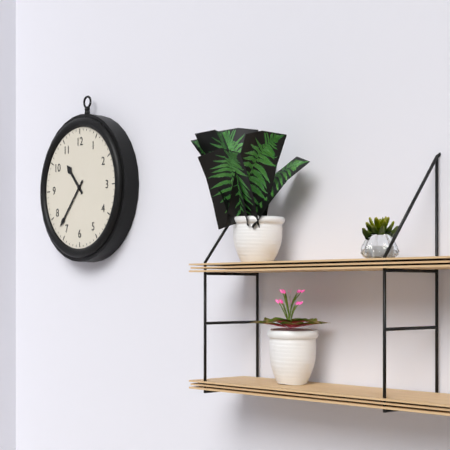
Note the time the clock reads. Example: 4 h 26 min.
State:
10 h 37 min
